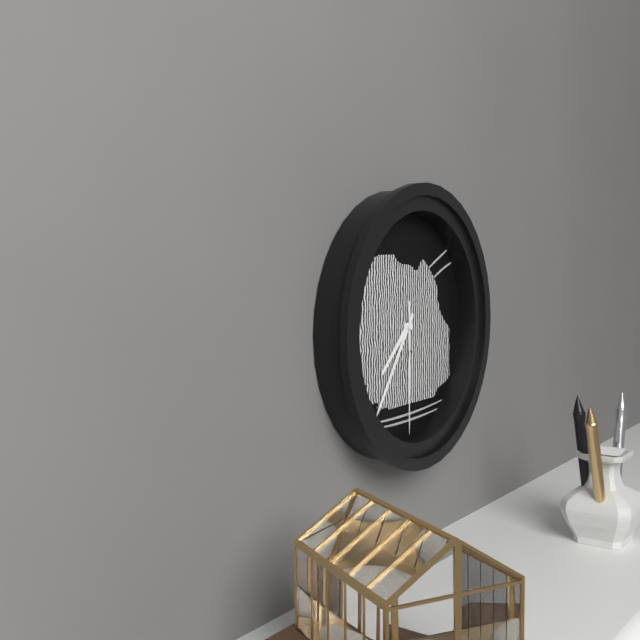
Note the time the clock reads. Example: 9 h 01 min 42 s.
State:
7 h 36 min 30 s
